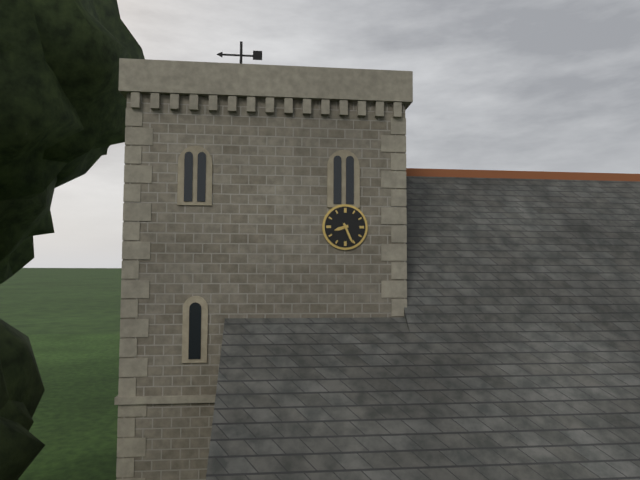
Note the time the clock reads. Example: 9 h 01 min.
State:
8 h 26 min
